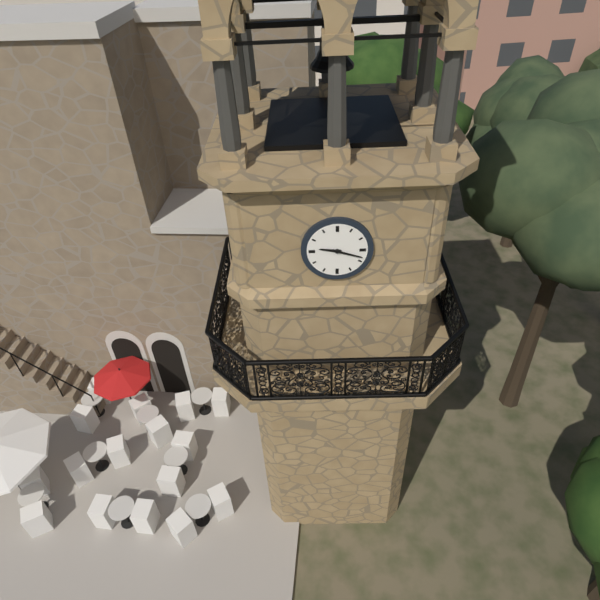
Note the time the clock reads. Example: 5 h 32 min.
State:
9 h 18 min
